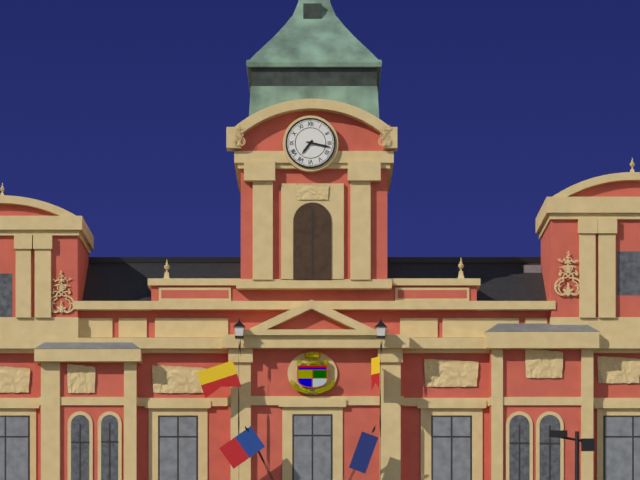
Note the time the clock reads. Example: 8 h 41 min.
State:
7 h 17 min
